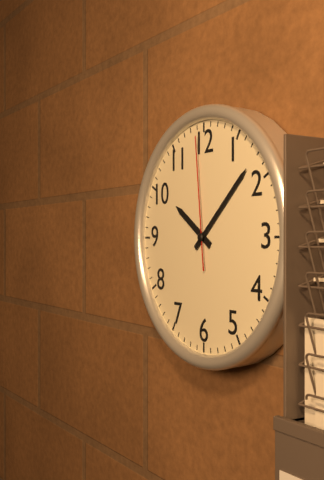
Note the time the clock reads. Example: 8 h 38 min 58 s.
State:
10 h 08 min 59 s
